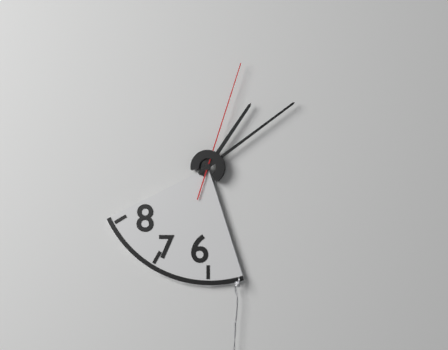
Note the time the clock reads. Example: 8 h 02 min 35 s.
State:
1 h 09 min 03 s
